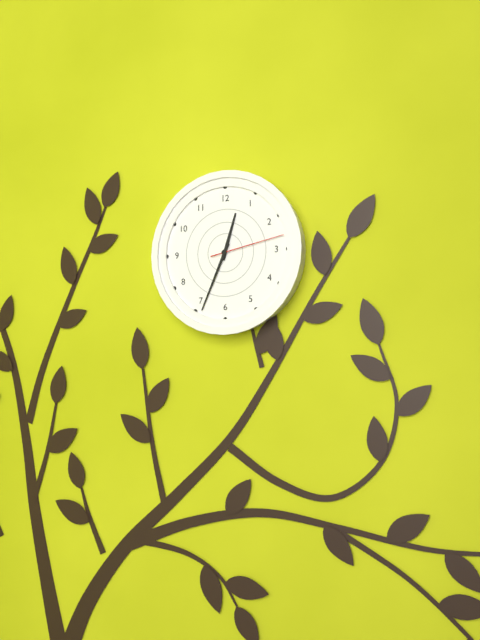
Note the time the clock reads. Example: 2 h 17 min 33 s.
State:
12 h 34 min 13 s
